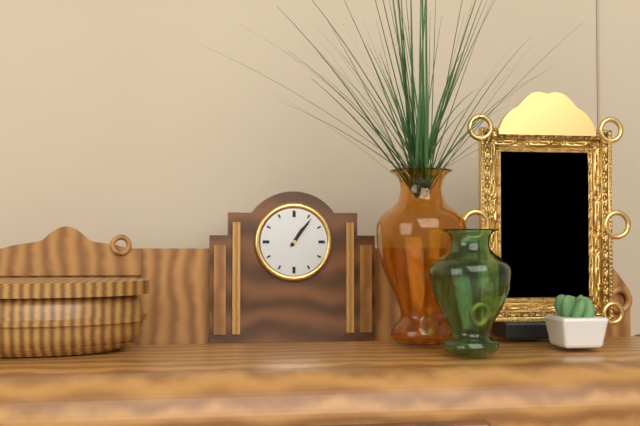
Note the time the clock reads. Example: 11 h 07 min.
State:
1 h 06 min
